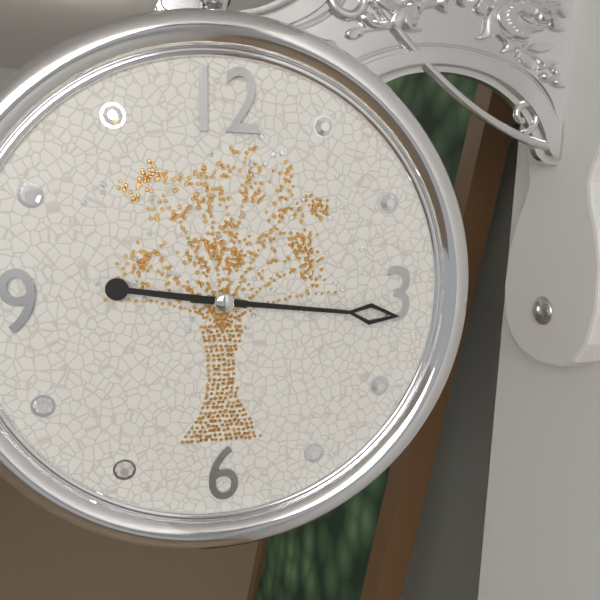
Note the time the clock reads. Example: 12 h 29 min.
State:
9 h 16 min
